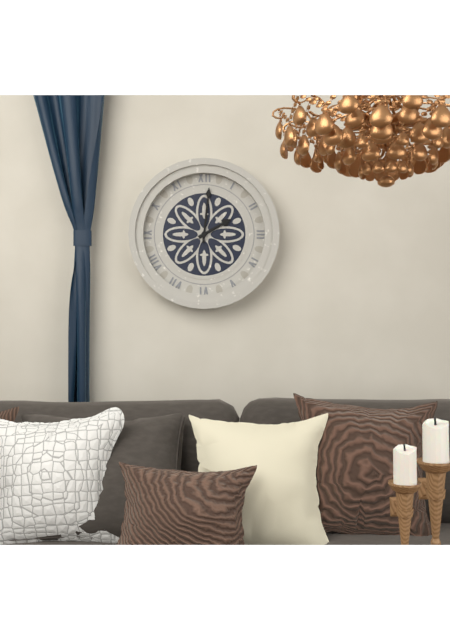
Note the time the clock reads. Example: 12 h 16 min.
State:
2 h 01 min
